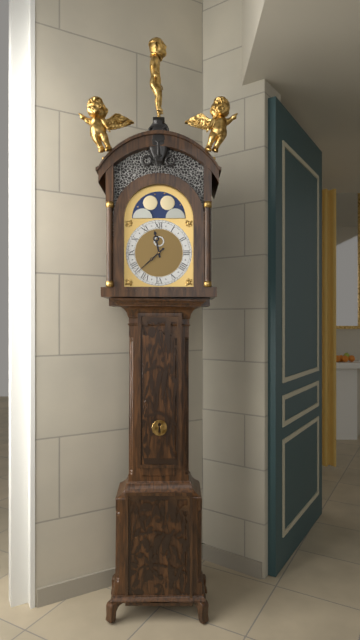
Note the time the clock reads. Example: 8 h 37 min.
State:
11 h 38 min
